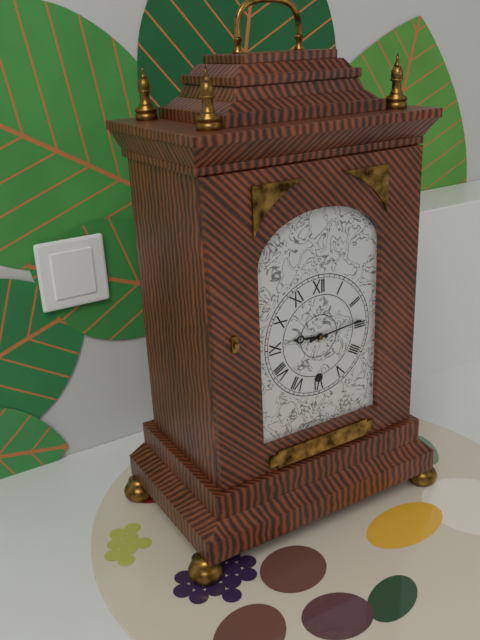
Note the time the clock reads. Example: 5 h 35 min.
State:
9 h 14 min
